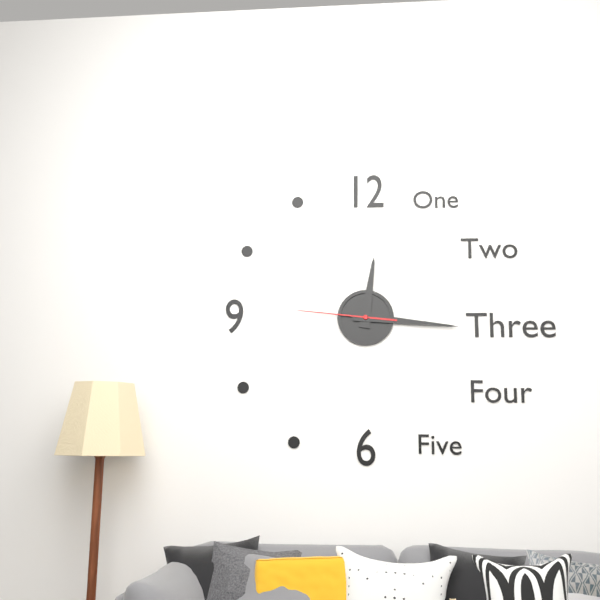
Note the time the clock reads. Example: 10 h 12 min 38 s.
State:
12 h 16 min 46 s
